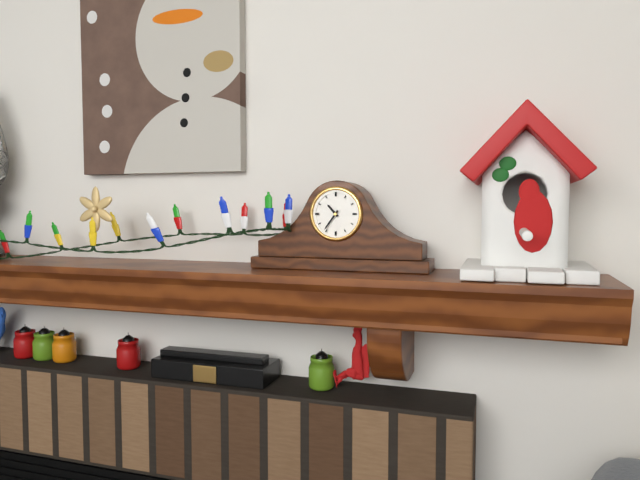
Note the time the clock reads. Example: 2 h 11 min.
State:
10 h 36 min
